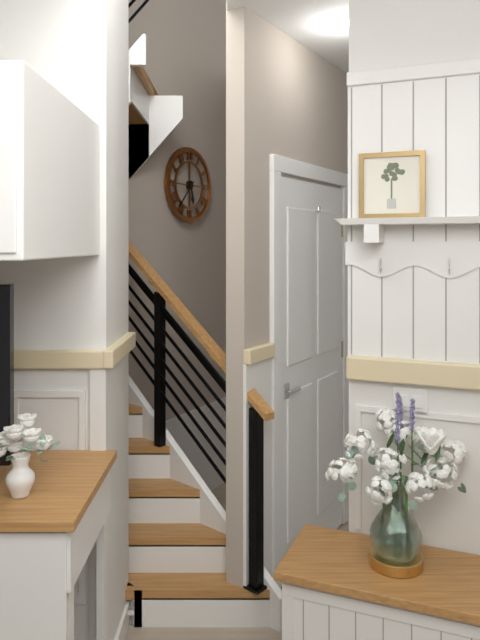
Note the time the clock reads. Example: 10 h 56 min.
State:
5 h 37 min
